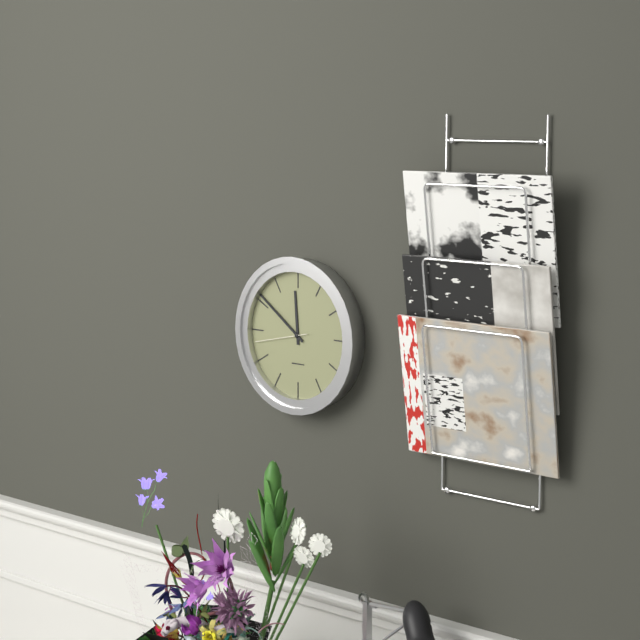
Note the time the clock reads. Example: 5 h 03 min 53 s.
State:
11 h 51 min 43 s
